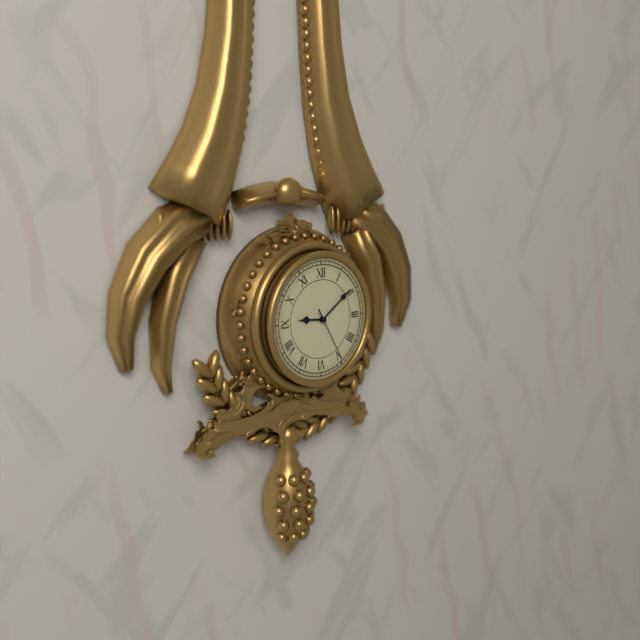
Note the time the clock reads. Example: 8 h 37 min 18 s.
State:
9 h 09 min 25 s
